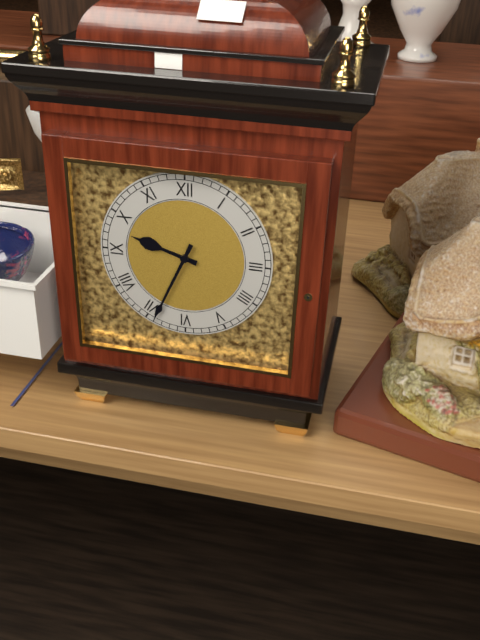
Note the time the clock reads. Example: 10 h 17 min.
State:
9 h 34 min
